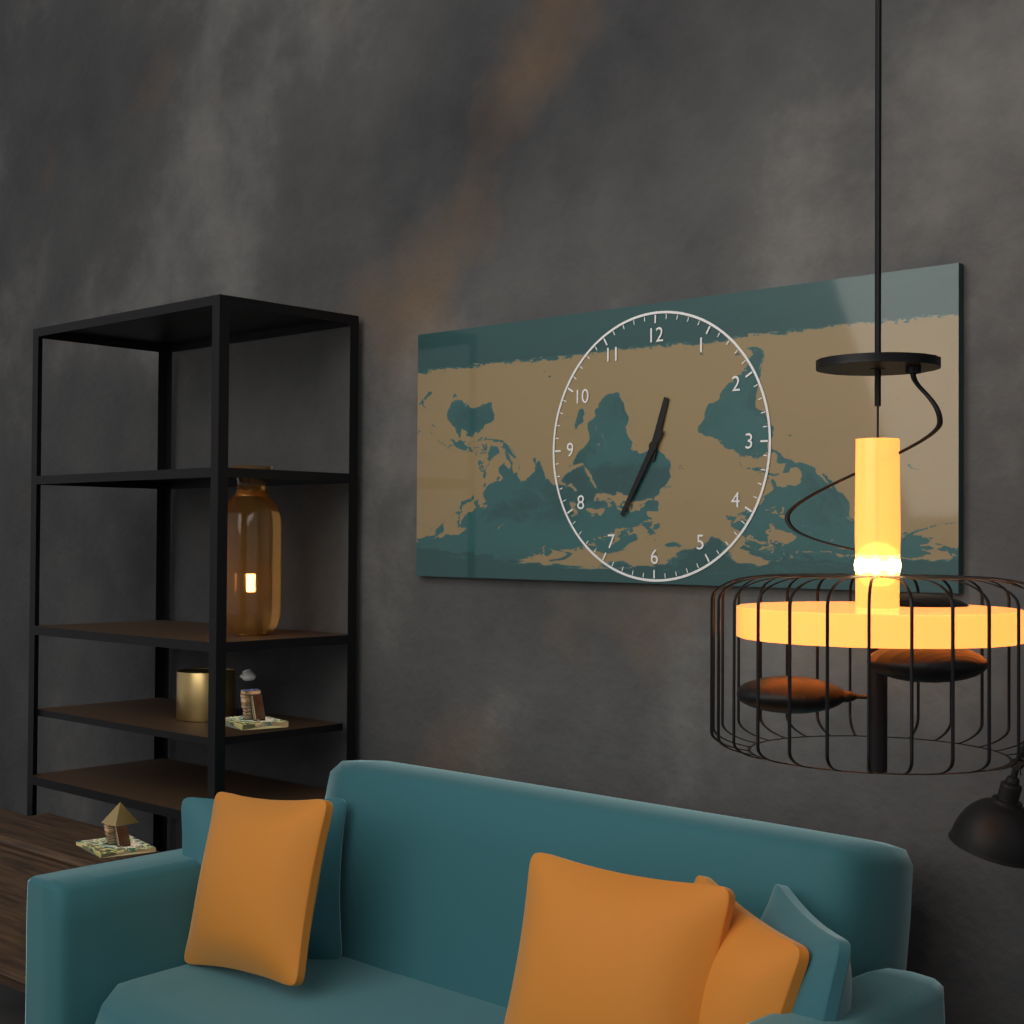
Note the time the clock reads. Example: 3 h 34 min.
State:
12 h 35 min
